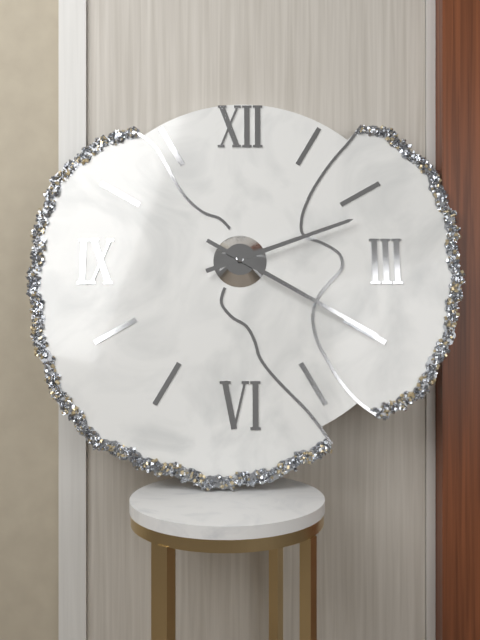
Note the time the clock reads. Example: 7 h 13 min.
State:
2 h 20 min
